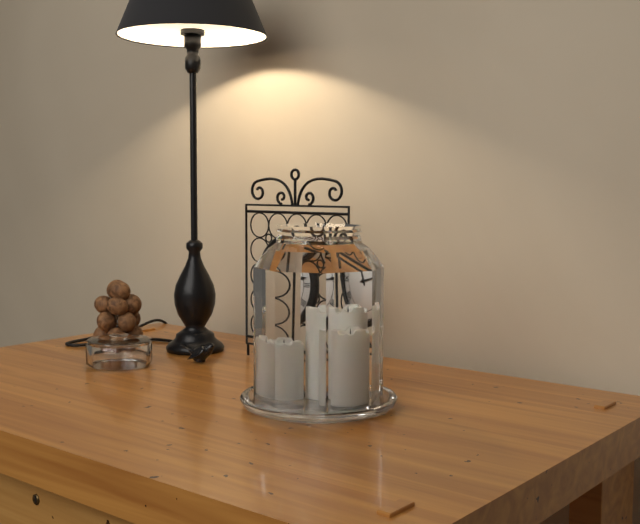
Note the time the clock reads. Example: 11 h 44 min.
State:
11 h 13 min
